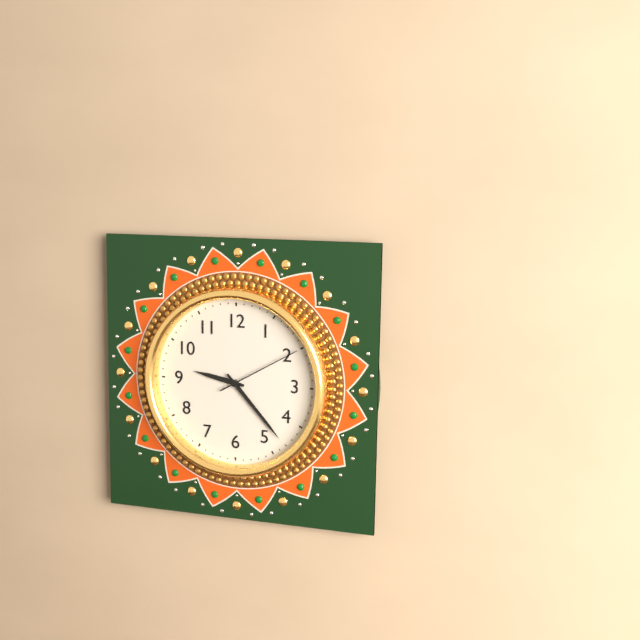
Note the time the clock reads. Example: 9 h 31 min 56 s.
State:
9 h 23 min 10 s
